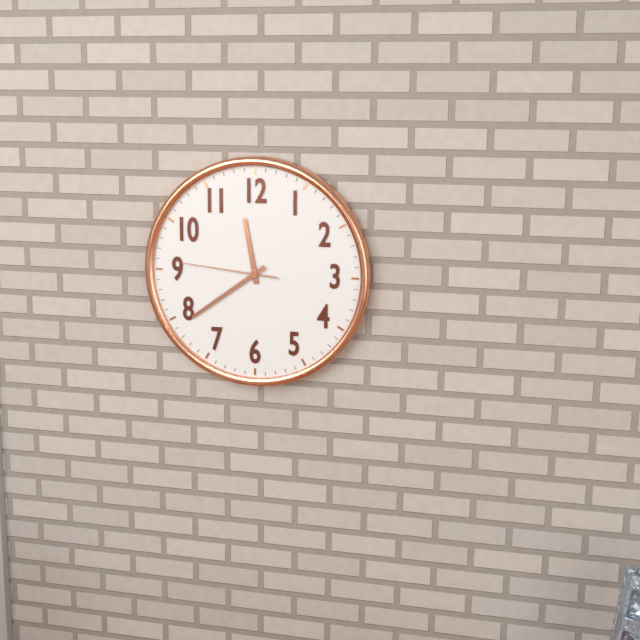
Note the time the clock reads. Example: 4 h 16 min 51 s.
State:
11 h 39 min 46 s
